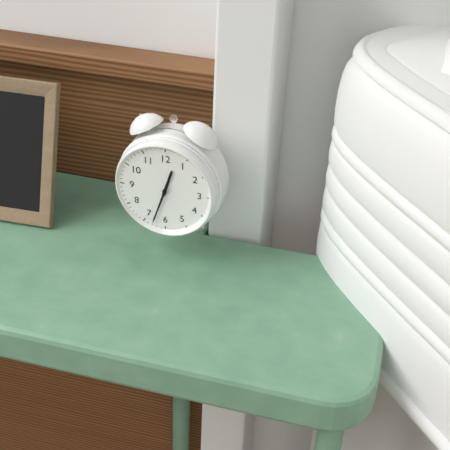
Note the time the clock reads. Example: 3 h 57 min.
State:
12 h 33 min
